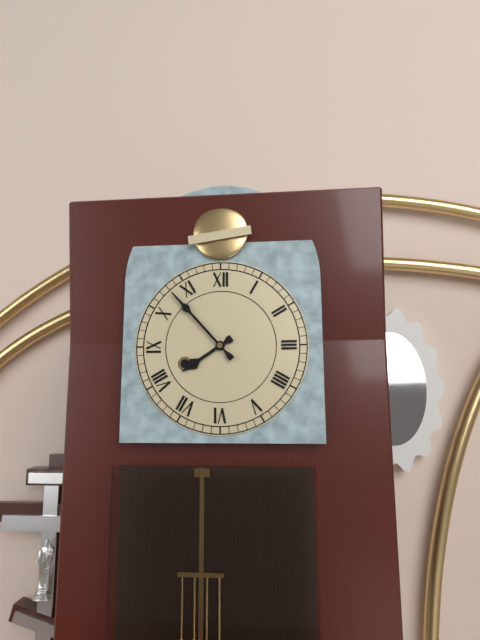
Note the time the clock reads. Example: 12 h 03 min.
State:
7 h 53 min
